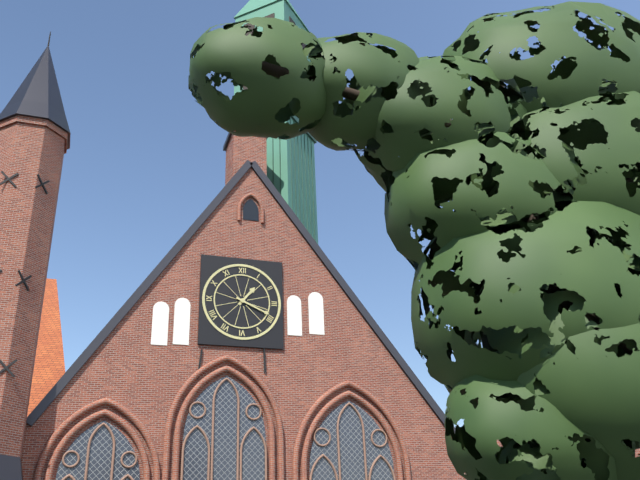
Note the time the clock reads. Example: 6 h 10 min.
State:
1 h 19 min
